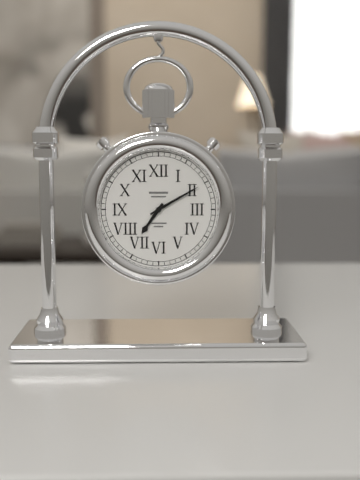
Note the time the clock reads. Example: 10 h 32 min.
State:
7 h 10 min
